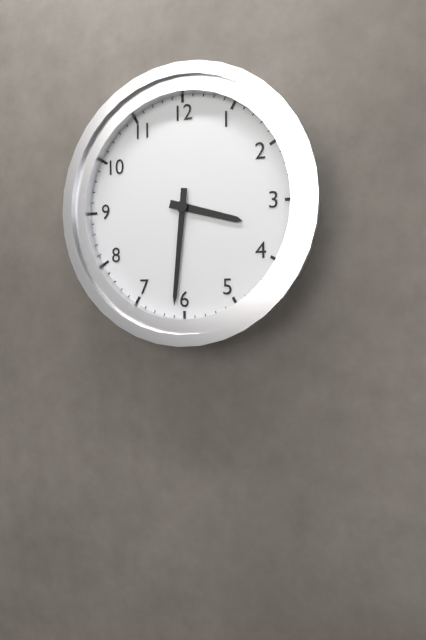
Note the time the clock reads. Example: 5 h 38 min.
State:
3 h 31 min
